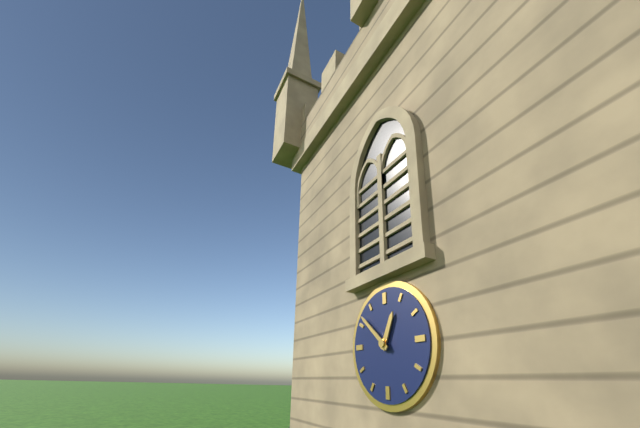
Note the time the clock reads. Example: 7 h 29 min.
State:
12 h 52 min
